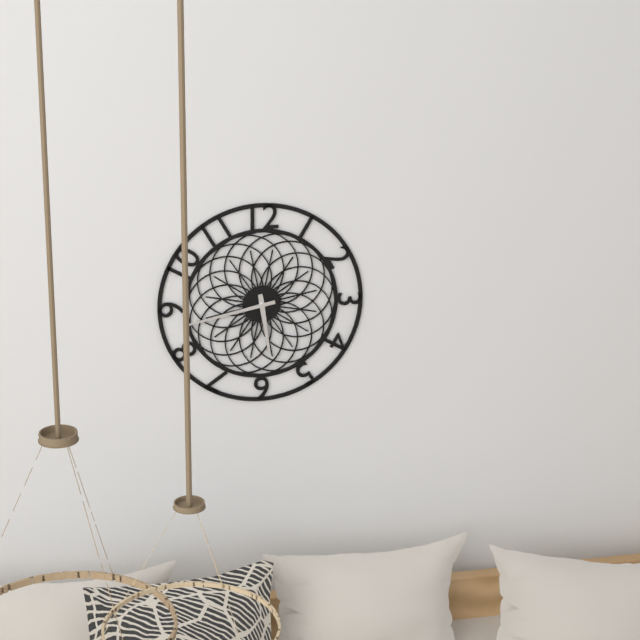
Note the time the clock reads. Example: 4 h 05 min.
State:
5 h 43 min
